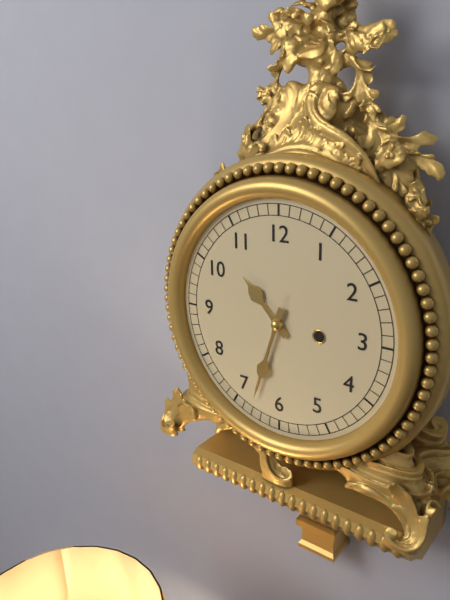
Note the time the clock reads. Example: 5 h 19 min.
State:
10 h 33 min
